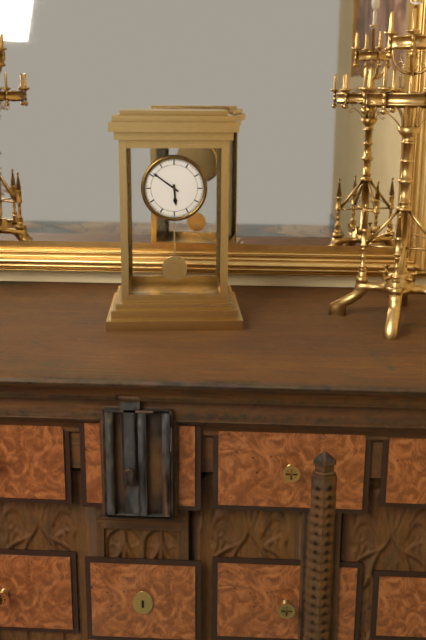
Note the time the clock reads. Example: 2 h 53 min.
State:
5 h 51 min
